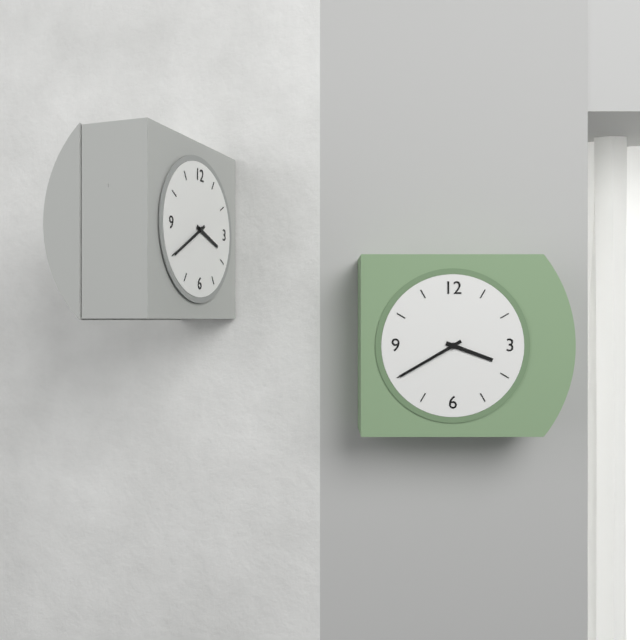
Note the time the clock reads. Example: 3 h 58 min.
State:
3 h 40 min
